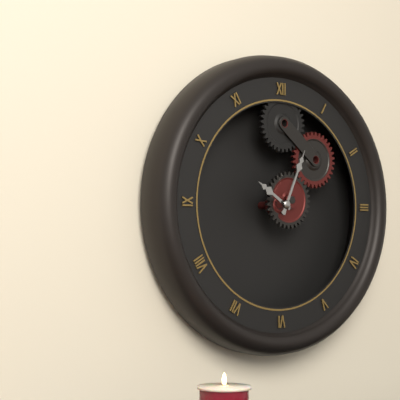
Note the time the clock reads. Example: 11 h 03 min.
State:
10 h 04 min
